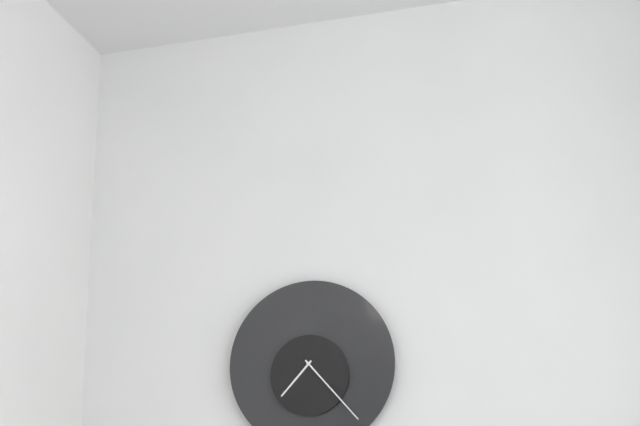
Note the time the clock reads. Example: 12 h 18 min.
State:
7 h 23 min
